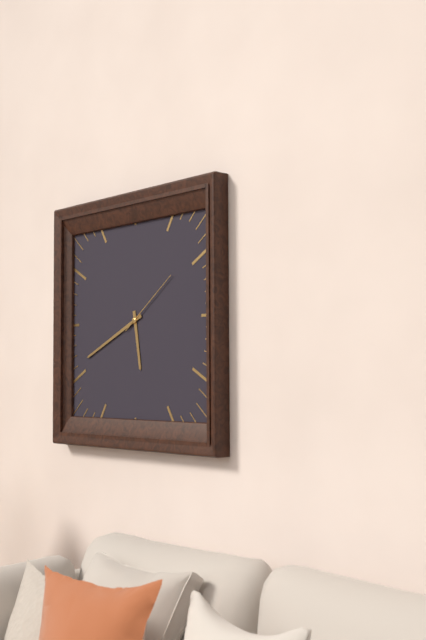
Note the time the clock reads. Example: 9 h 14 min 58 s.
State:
5 h 41 min 09 s
